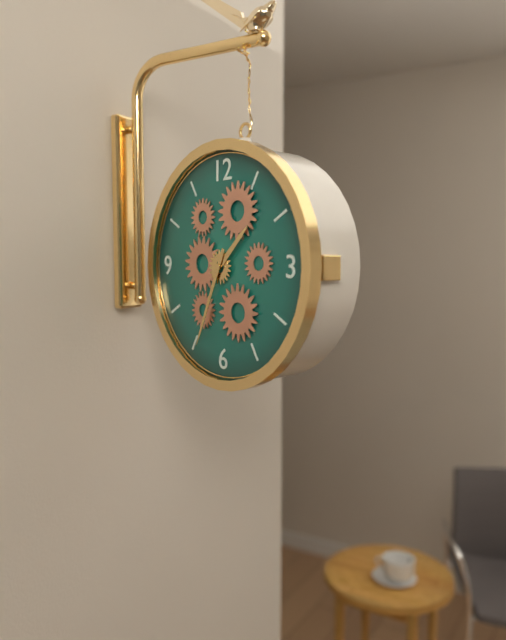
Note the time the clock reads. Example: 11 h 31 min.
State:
1 h 34 min
